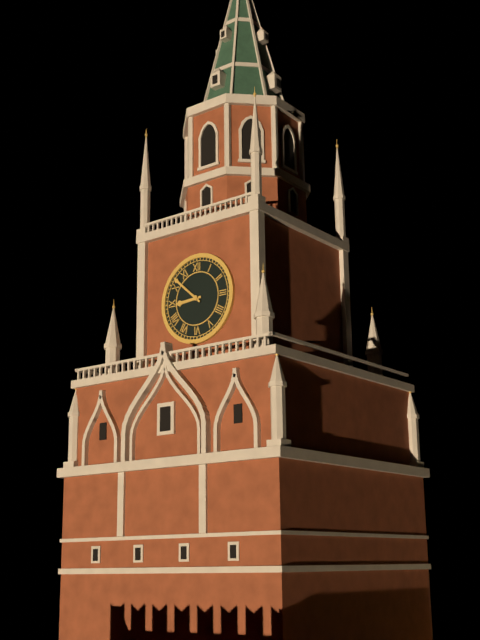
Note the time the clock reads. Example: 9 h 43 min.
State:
8 h 52 min
